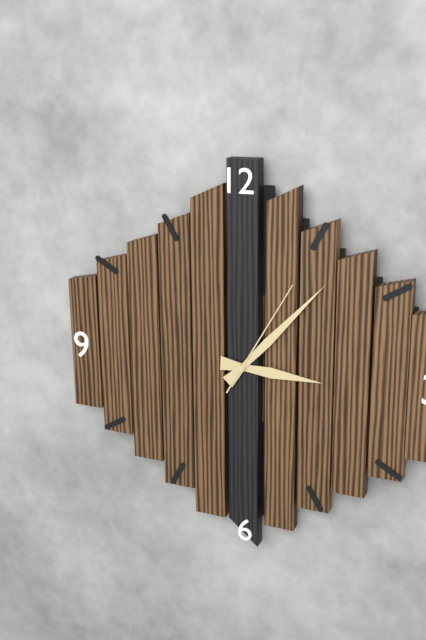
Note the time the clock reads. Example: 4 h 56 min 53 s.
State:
3 h 07 min 05 s
